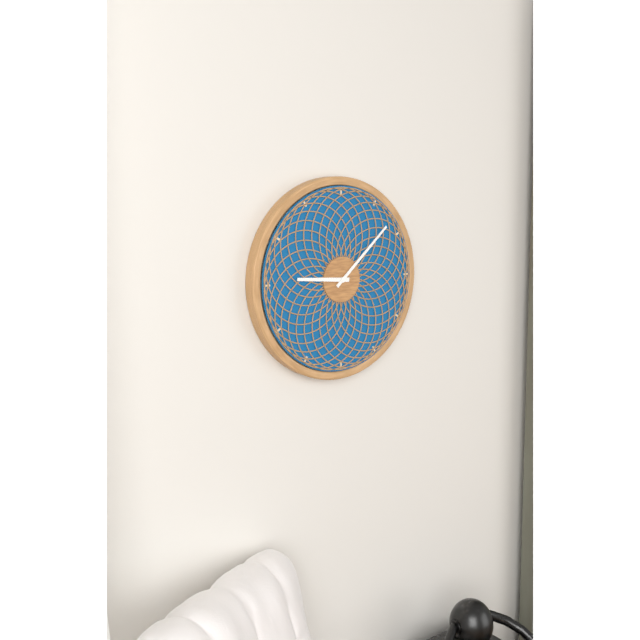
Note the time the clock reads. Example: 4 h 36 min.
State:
9 h 08 min
